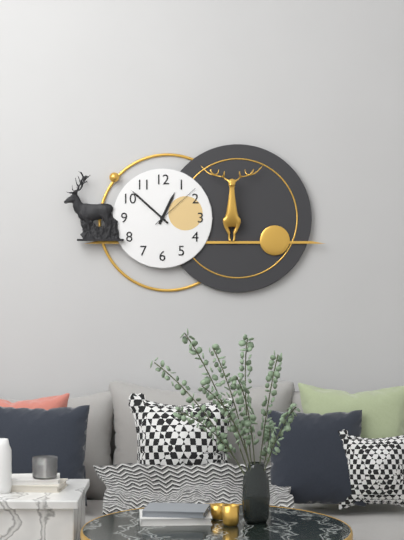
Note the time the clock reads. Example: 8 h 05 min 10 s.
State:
12 h 52 min 08 s
